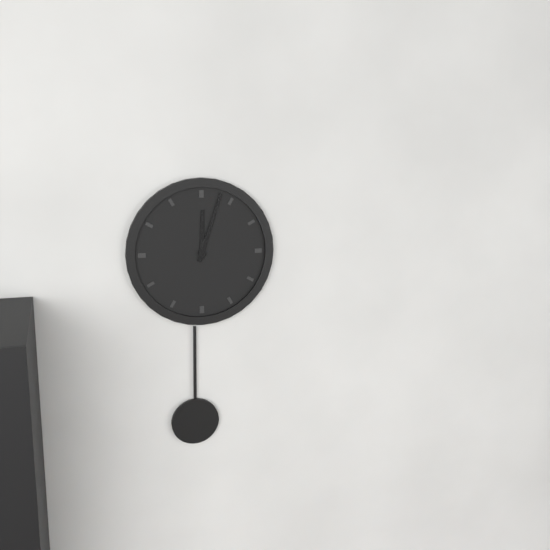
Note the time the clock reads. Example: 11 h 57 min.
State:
12 h 03 min
